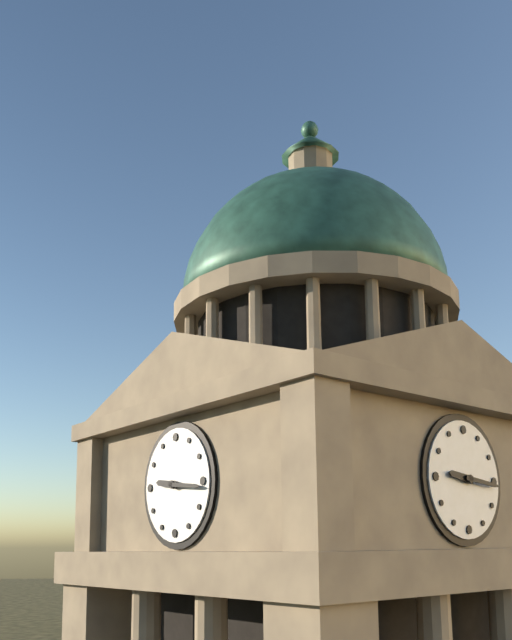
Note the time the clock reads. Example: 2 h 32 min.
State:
9 h 16 min
